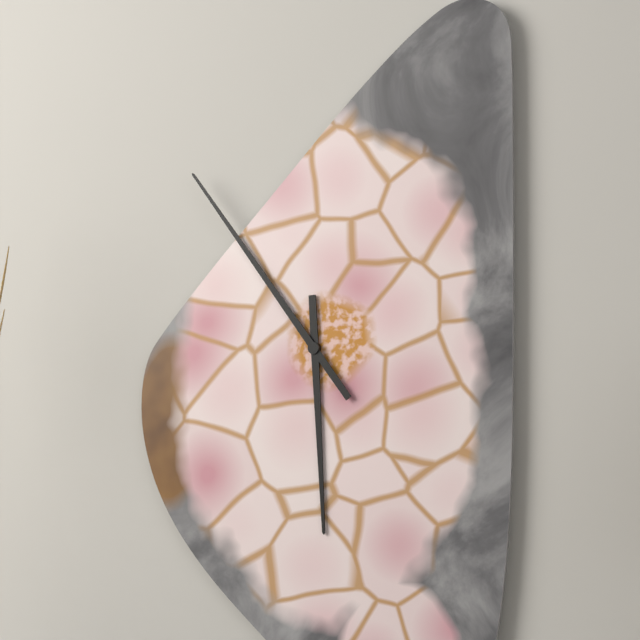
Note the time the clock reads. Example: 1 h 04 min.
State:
5 h 54 min
